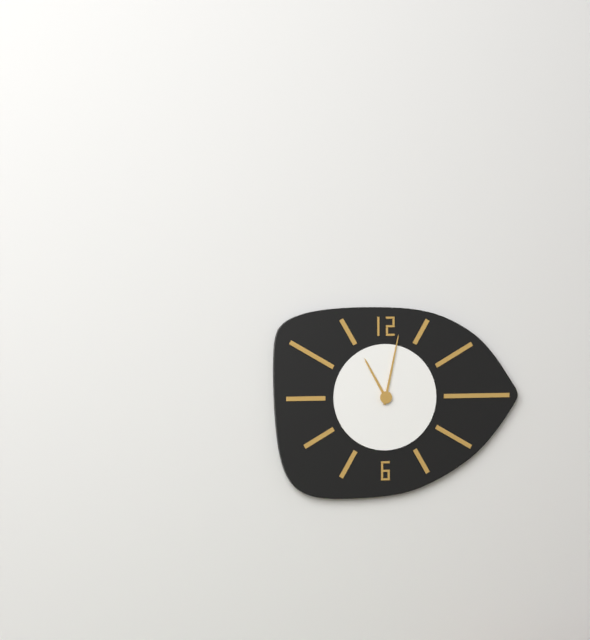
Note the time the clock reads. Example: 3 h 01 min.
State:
11 h 02 min
